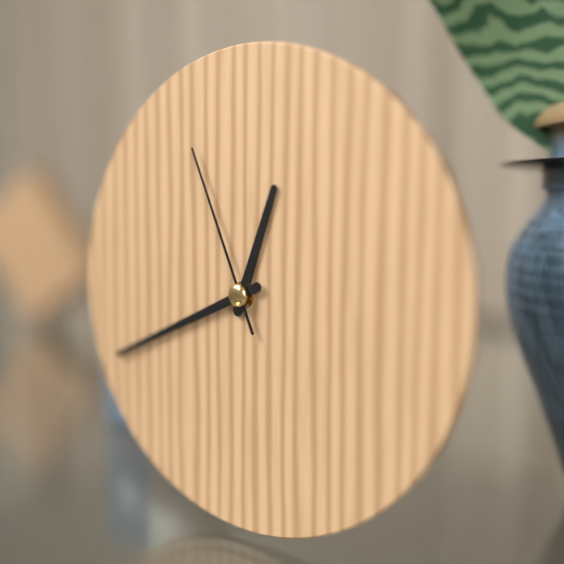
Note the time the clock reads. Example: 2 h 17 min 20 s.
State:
12 h 41 min 56 s
